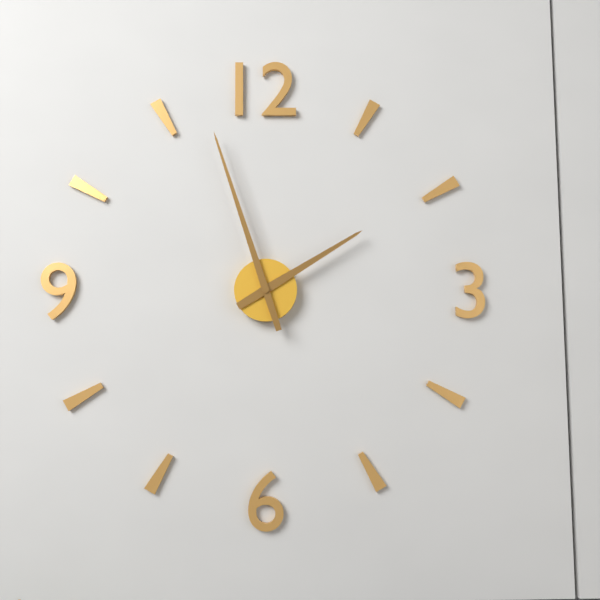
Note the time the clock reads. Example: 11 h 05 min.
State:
1 h 57 min
